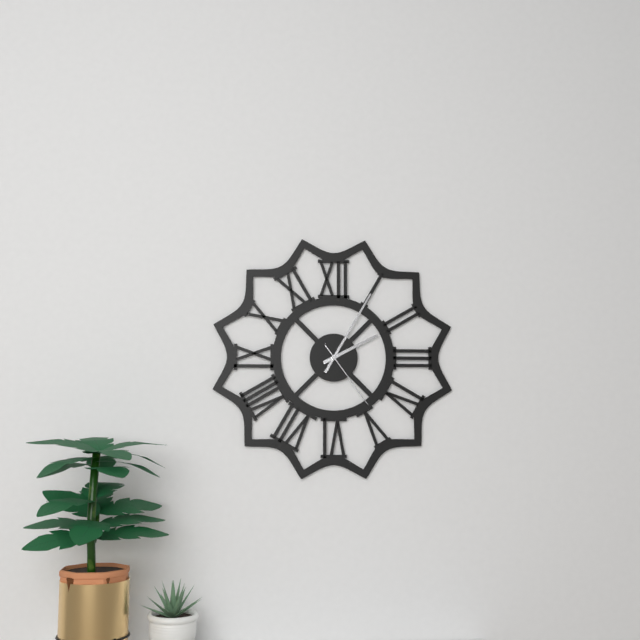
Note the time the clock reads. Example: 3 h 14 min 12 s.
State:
2 h 05 min 24 s
